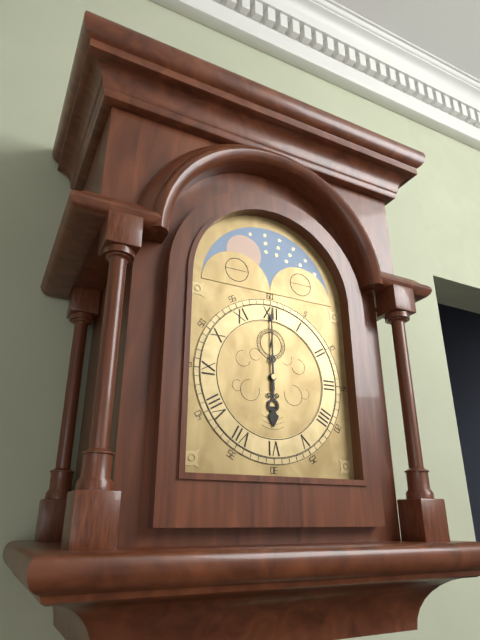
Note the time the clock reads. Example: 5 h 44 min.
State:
6 h 00 min
